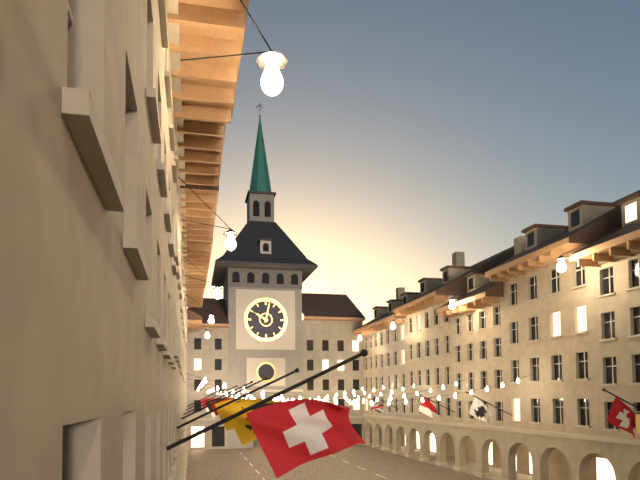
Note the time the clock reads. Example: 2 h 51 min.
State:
10 h 02 min
